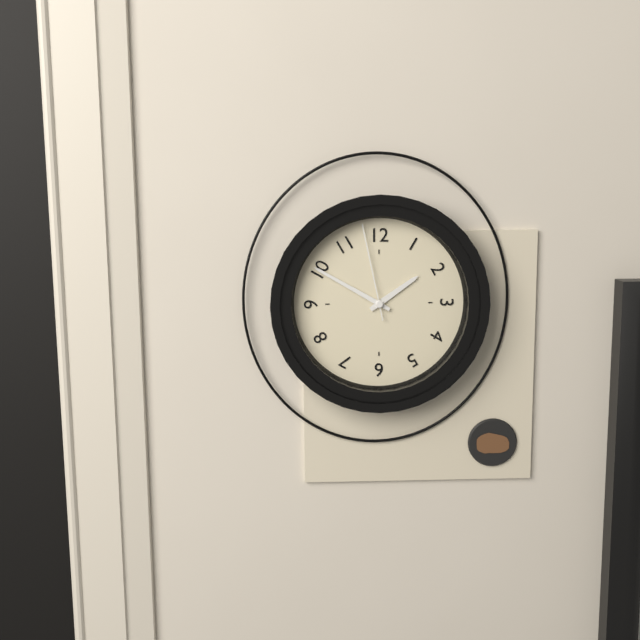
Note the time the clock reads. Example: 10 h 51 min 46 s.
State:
1 h 50 min 58 s
